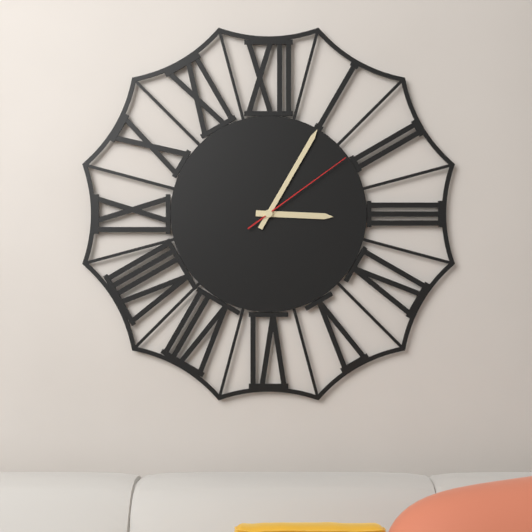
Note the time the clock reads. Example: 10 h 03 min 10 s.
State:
3 h 05 min 09 s
